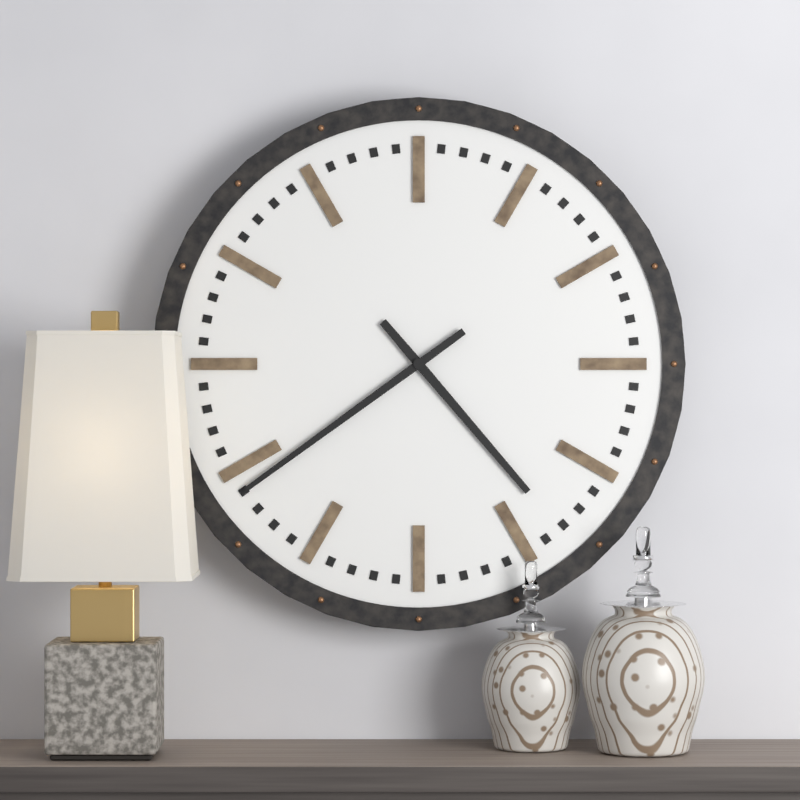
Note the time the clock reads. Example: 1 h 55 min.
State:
4 h 39 min
